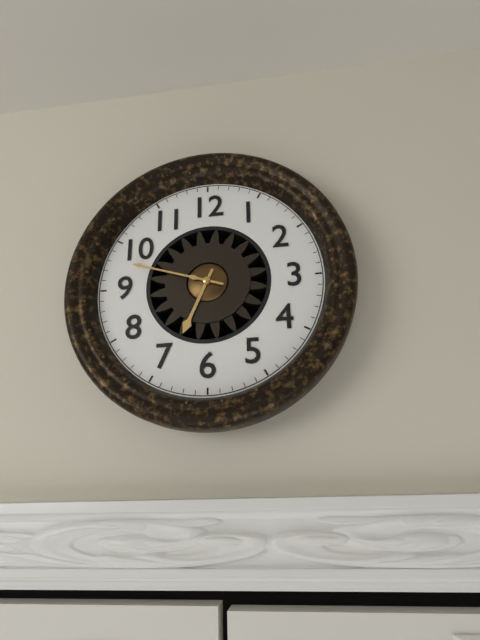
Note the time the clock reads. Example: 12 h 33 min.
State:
6 h 48 min
